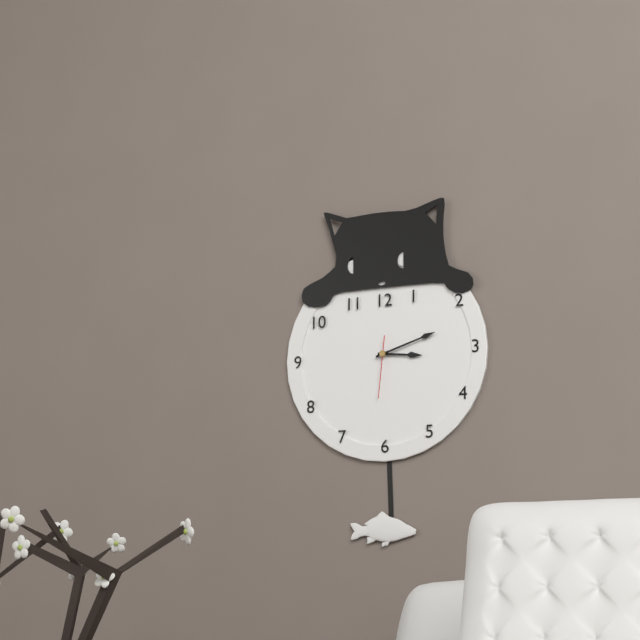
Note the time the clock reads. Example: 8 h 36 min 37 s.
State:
3 h 12 min 31 s
